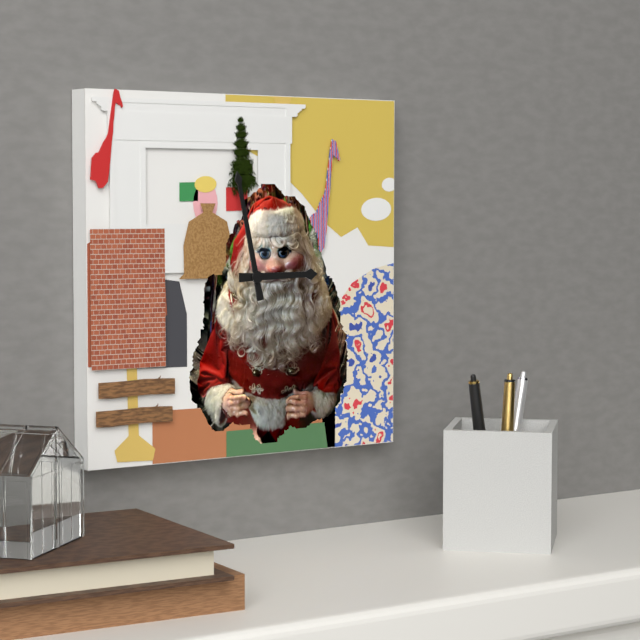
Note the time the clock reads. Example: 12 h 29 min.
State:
2 h 58 min
